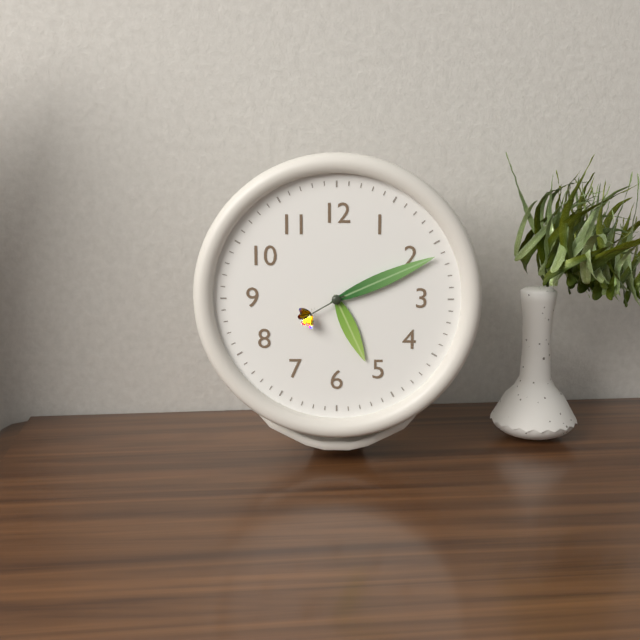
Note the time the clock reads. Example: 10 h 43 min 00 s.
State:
5 h 11 min 40 s
